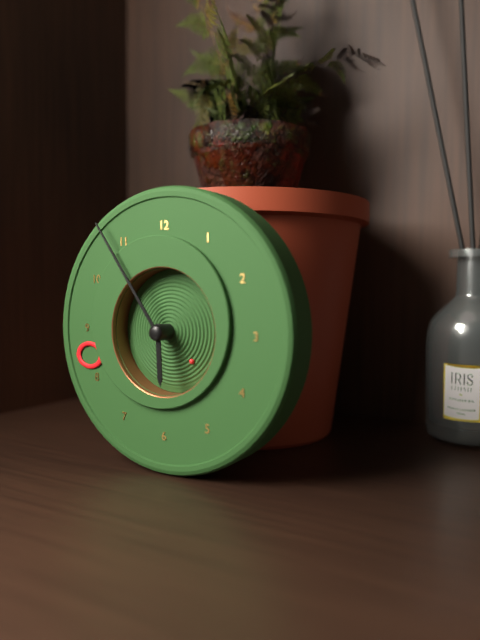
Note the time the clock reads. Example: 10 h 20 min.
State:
5 h 54 min
